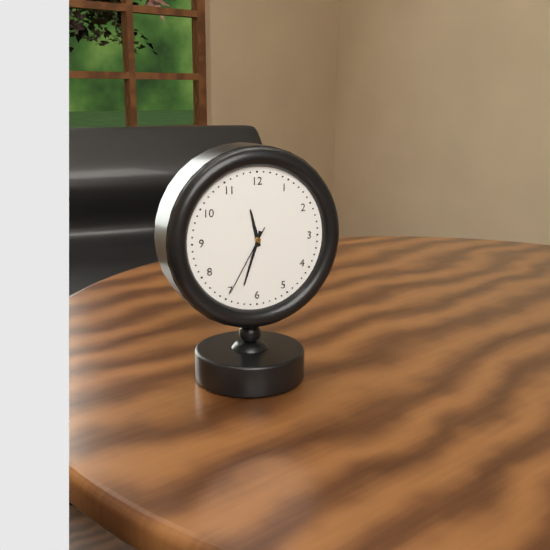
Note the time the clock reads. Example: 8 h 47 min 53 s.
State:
11 h 33 min 35 s
